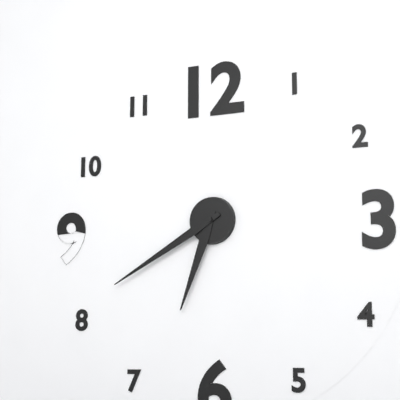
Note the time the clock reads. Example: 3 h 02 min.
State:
6 h 40 min
